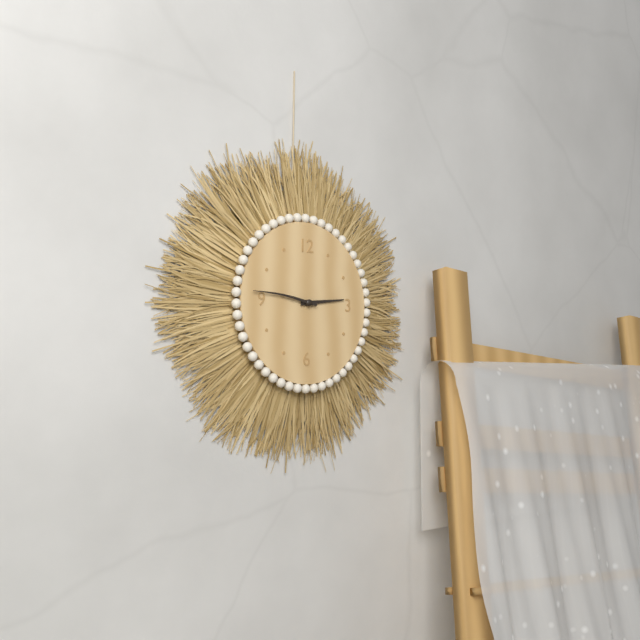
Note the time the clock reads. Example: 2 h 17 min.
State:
2 h 46 min
